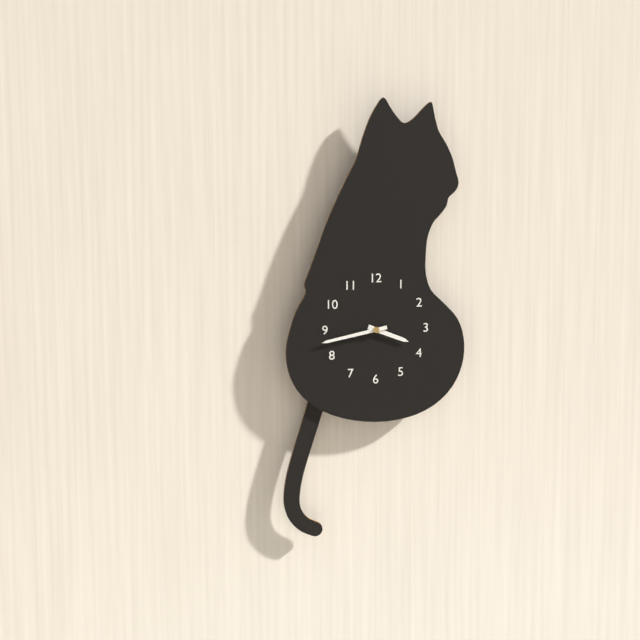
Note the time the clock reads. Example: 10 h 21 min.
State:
3 h 43 min
